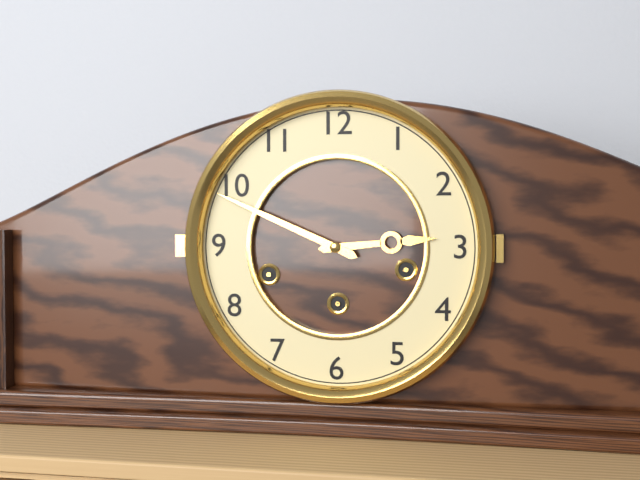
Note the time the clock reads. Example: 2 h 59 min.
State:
2 h 49 min
